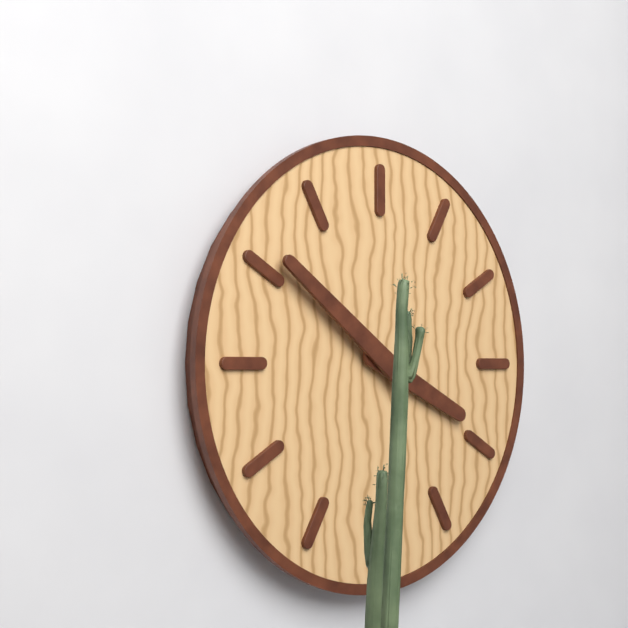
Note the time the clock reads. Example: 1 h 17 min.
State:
3 h 51 min
